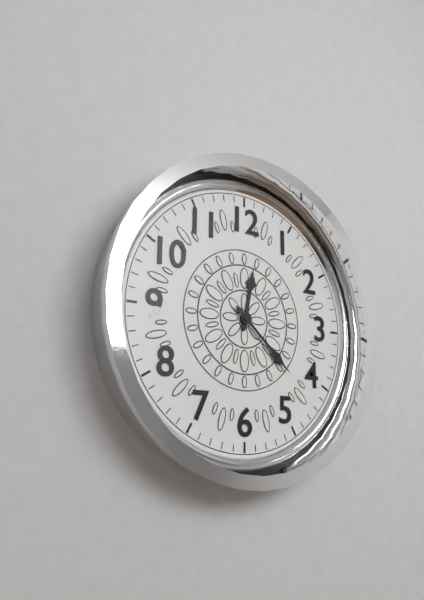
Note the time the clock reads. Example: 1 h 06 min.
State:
12 h 22 min
